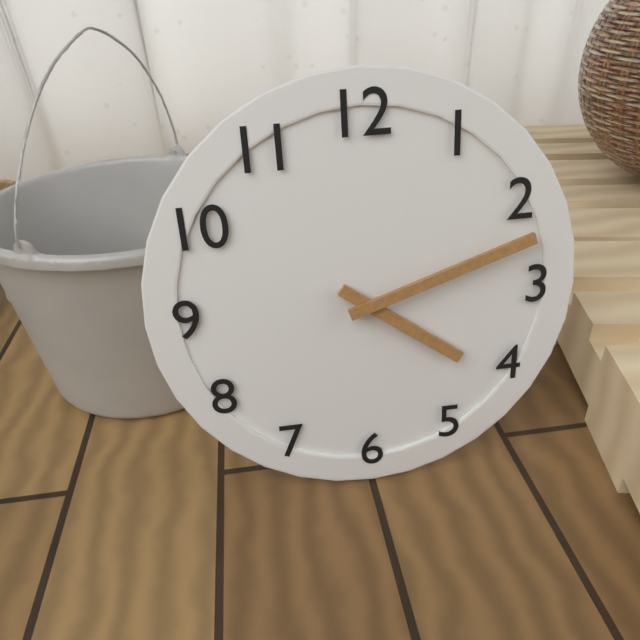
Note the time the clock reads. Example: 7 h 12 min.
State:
4 h 12 min
